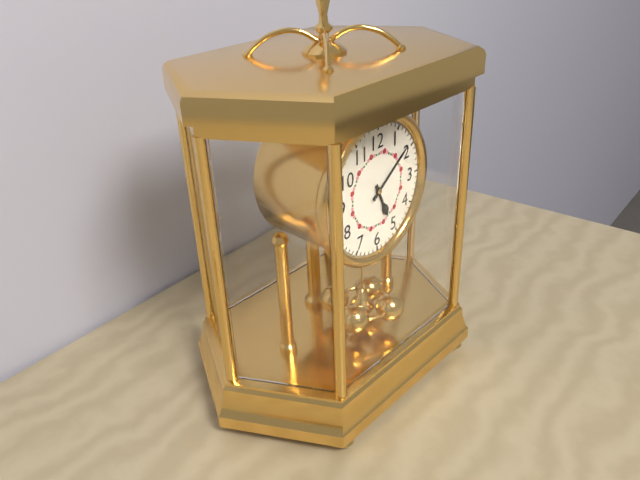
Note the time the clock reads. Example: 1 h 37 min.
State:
5 h 09 min
